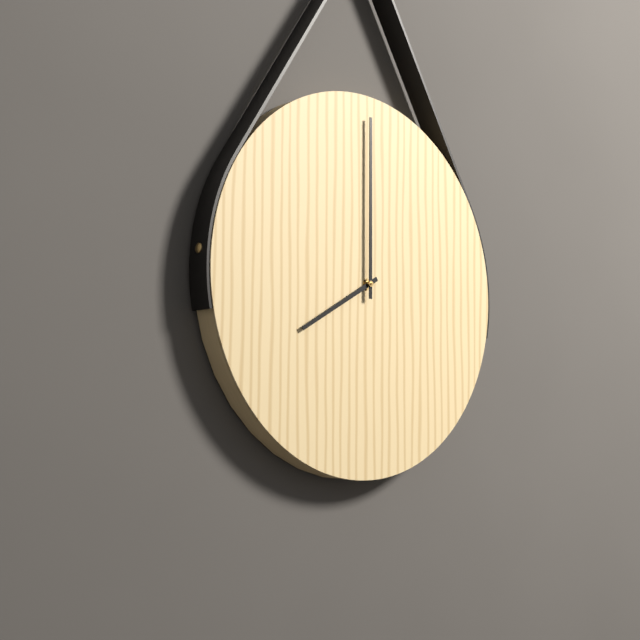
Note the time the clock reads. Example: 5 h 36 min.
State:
8 h 00 min
